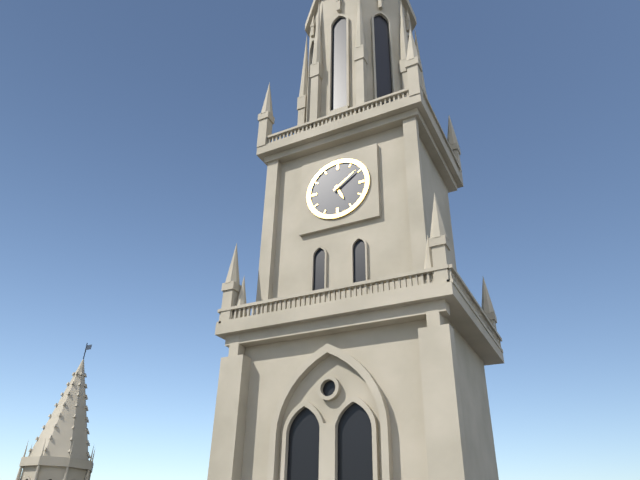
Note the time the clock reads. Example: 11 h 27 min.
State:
5 h 09 min
